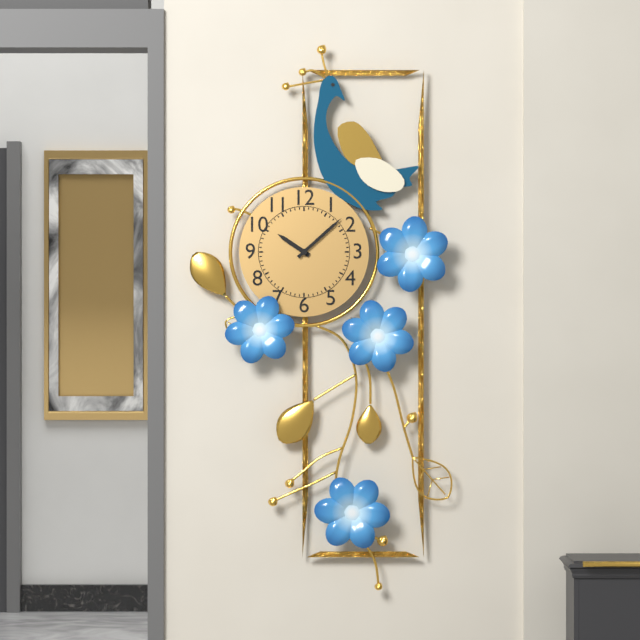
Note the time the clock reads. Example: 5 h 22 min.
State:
10 h 08 min
